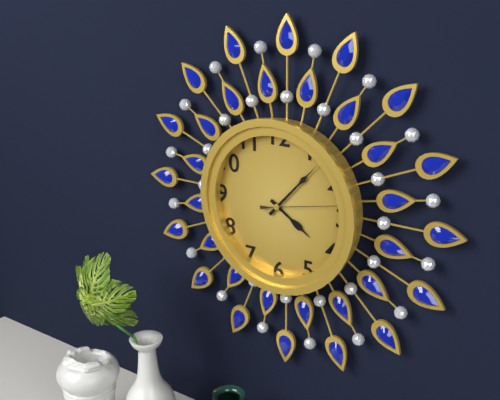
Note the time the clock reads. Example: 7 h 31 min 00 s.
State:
4 h 07 min 13 s
